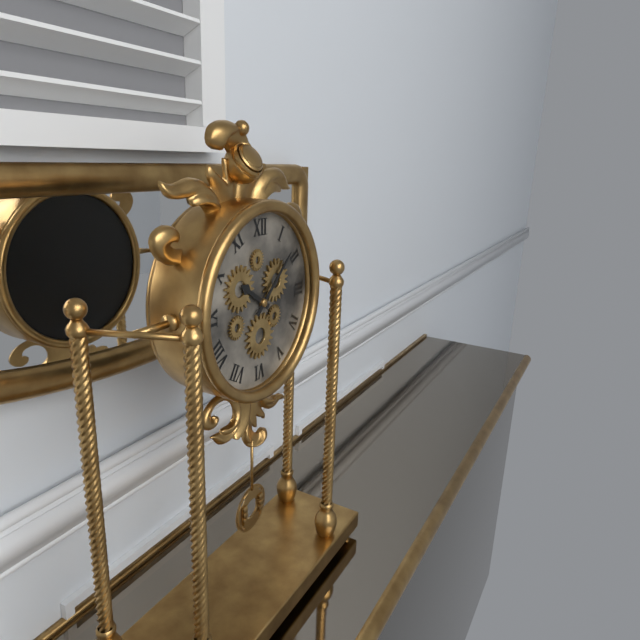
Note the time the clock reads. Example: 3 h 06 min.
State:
10 h 08 min
